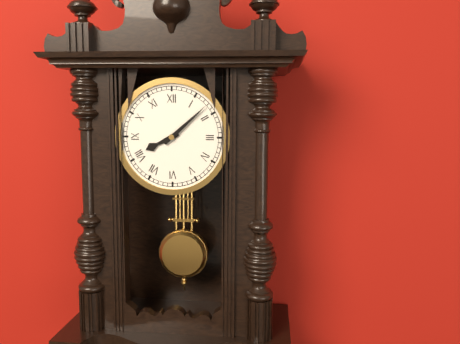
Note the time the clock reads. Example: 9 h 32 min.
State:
8 h 08 min
